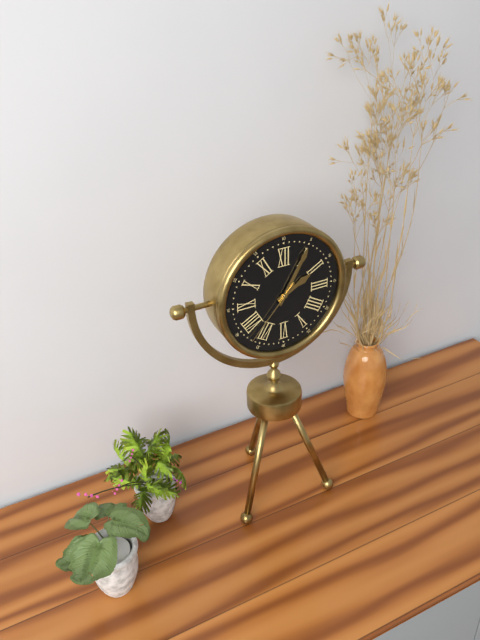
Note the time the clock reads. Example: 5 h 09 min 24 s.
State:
2 h 05 min 37 s
